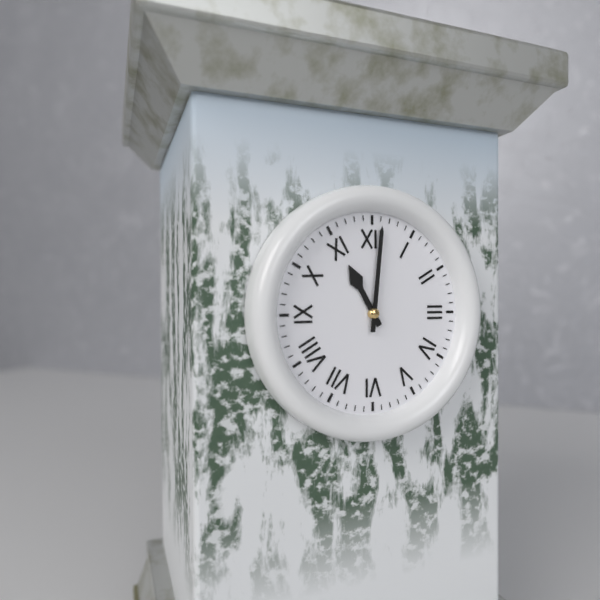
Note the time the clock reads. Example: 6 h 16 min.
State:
11 h 01 min
